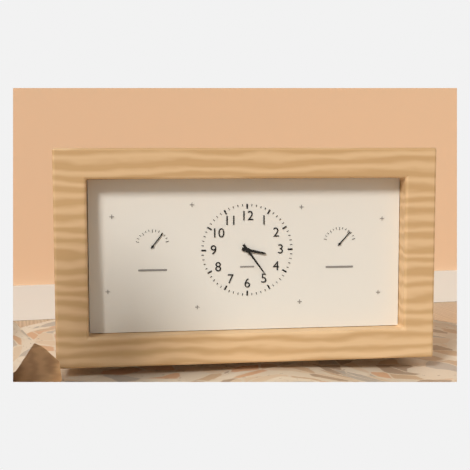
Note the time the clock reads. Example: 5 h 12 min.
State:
3 h 24 min
